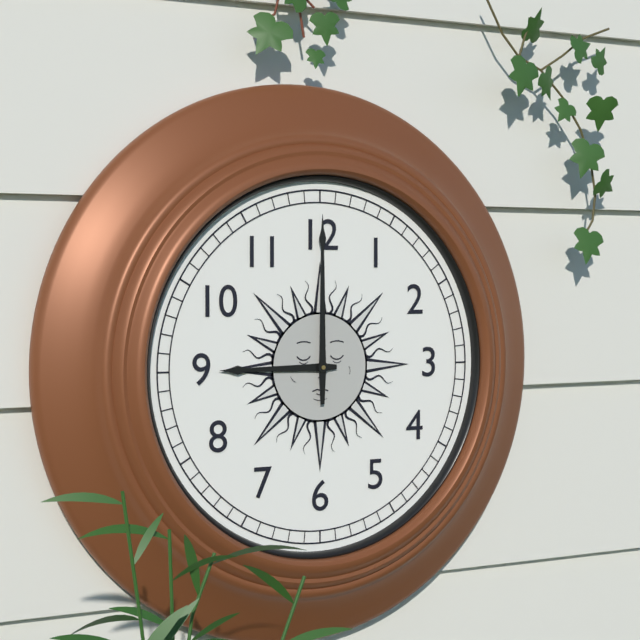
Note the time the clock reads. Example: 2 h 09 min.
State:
9 h 00 min
